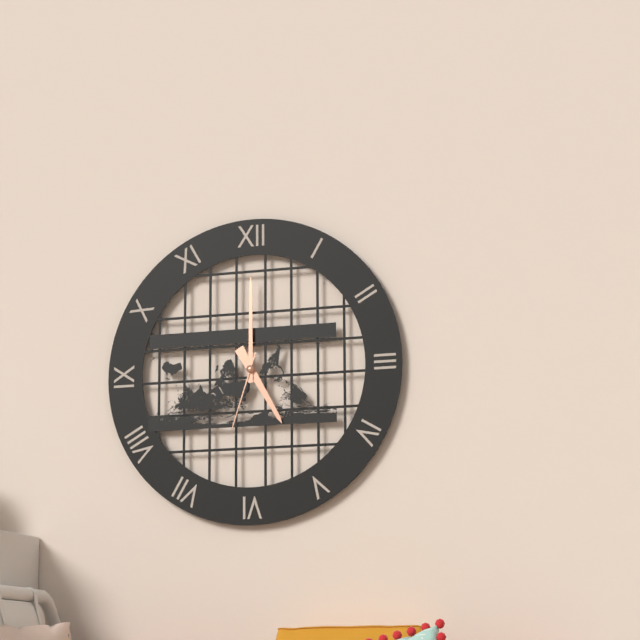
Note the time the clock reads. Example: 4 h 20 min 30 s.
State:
5 h 00 min 33 s
